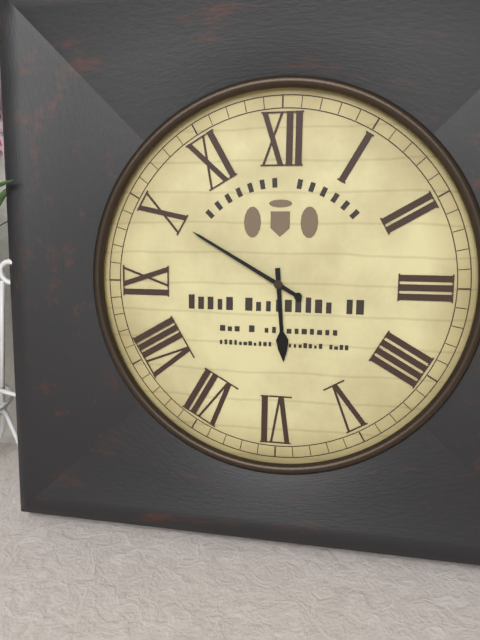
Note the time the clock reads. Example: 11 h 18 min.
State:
5 h 50 min
